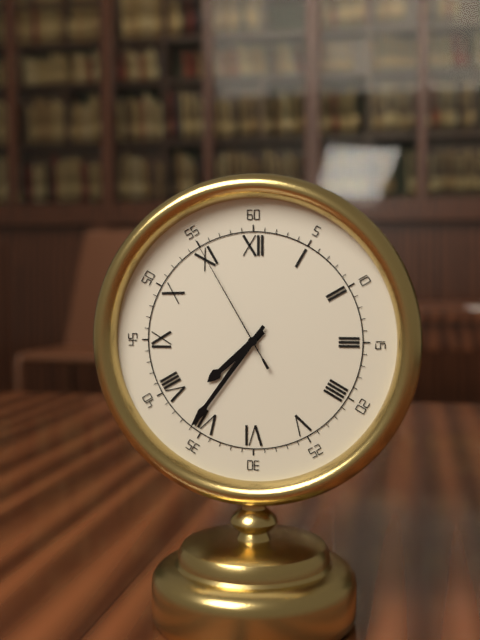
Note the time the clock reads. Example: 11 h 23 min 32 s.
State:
7 h 36 min 55 s
